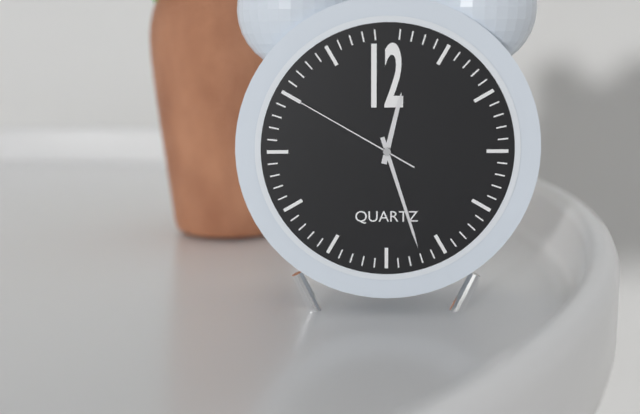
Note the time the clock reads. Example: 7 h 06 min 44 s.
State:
12 h 27 min 50 s
